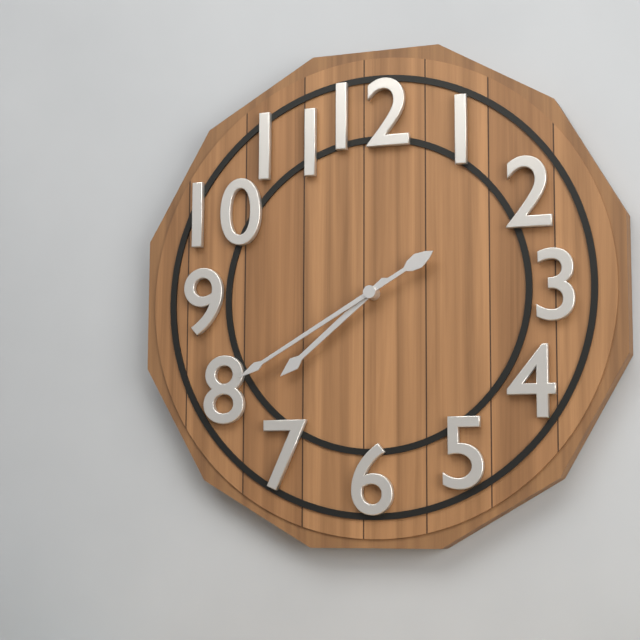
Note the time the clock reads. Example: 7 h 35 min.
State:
7 h 40 min
